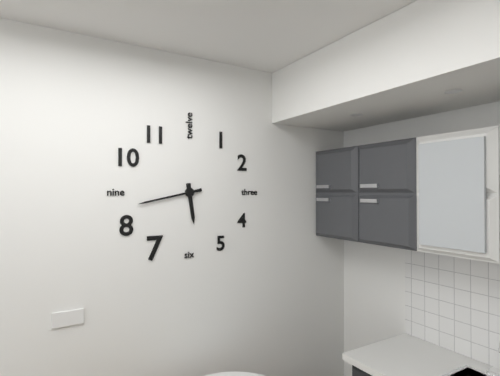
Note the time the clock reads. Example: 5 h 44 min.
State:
5 h 43 min
